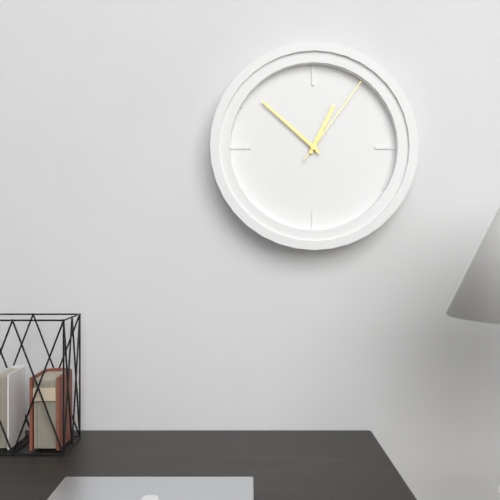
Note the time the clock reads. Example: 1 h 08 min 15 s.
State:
12 h 52 min 06 s
